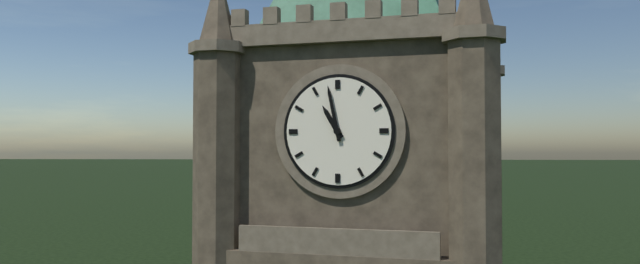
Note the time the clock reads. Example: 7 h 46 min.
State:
10 h 58 min
